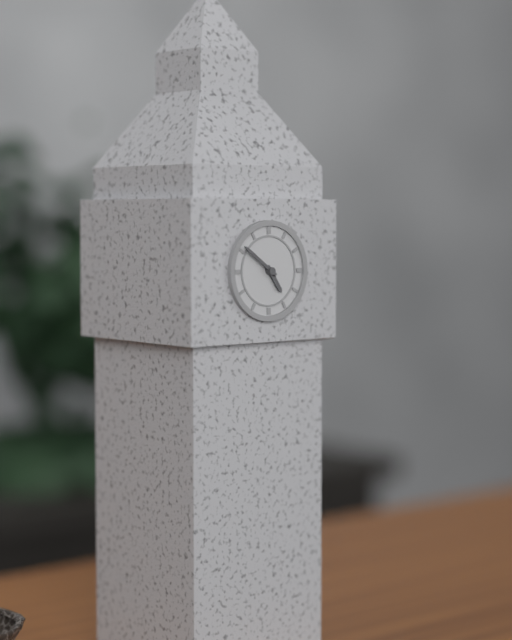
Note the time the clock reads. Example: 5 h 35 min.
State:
4 h 51 min
